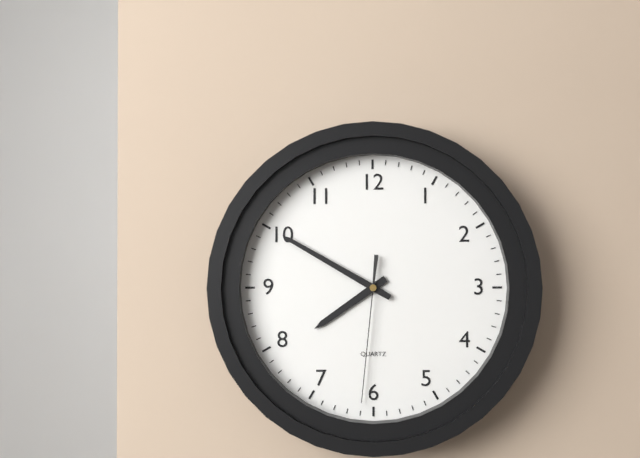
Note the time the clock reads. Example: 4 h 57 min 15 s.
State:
7 h 50 min 31 s
